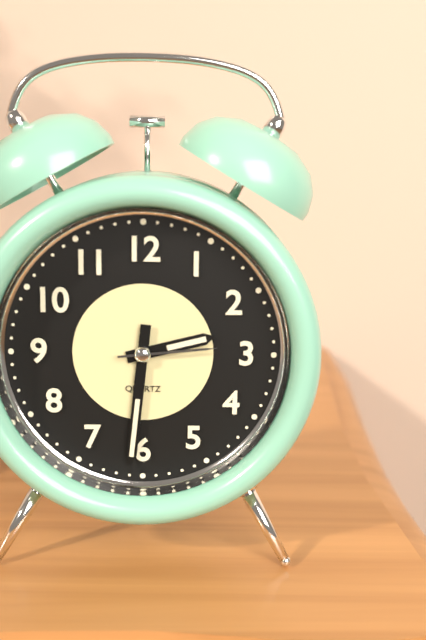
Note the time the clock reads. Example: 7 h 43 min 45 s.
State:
2 h 31 min 14 s
